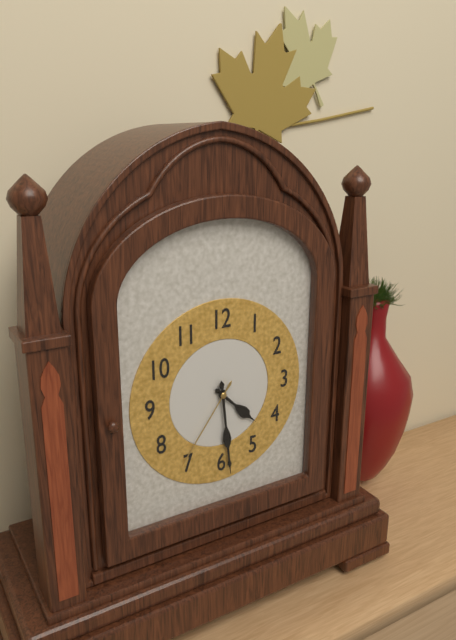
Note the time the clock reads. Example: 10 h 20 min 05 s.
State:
4 h 29 min 36 s
